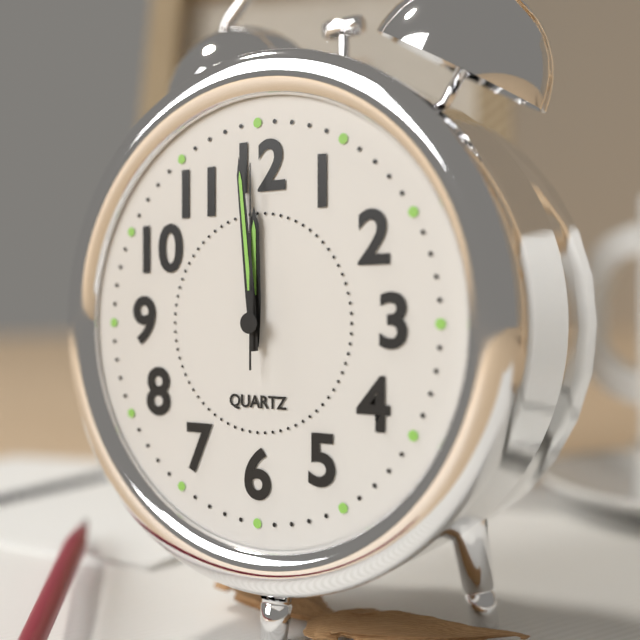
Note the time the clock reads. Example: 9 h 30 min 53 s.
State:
11 h 59 min 00 s
